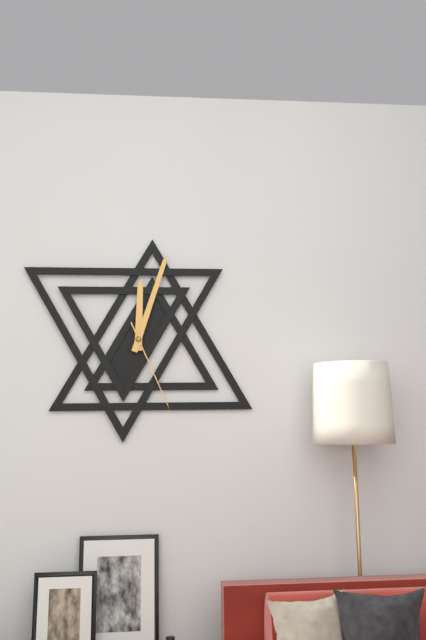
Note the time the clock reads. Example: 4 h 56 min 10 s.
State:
12 h 03 min 26 s
